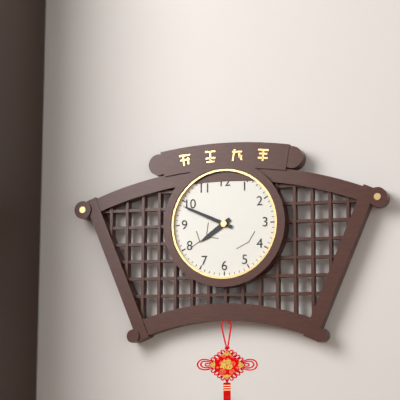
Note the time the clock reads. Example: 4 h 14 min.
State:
7 h 49 min
